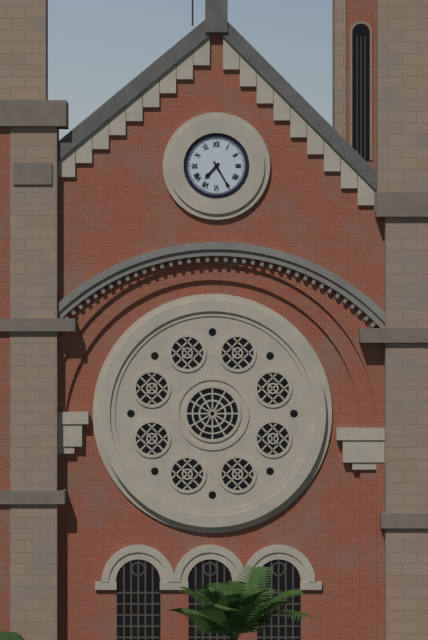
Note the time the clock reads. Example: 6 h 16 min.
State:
7 h 25 min
